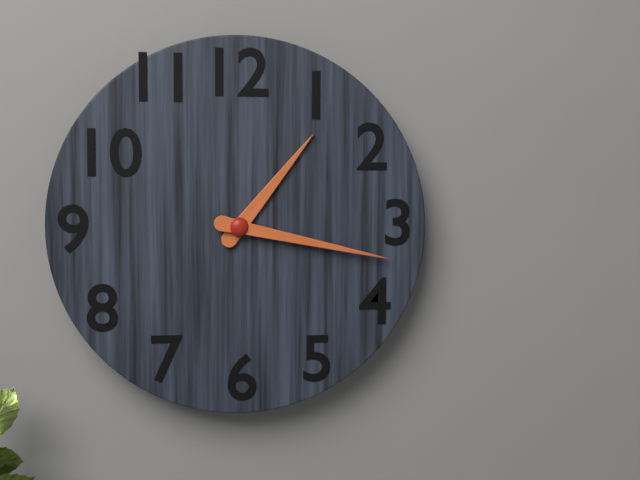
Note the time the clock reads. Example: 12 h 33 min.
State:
1 h 17 min
